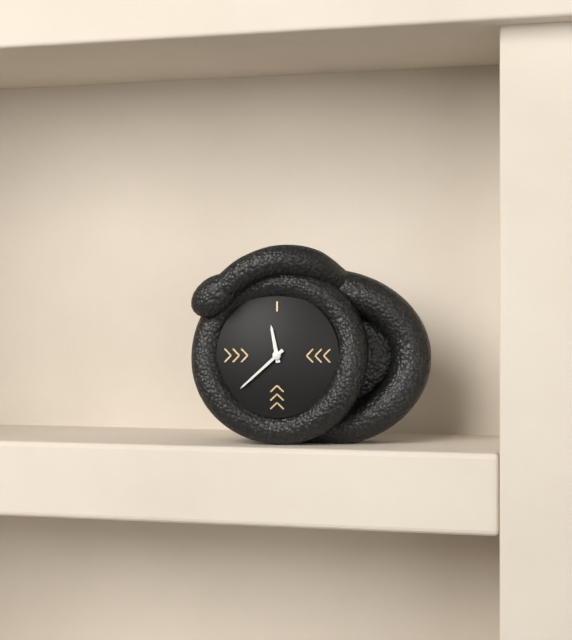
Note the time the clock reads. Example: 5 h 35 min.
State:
11 h 38 min
